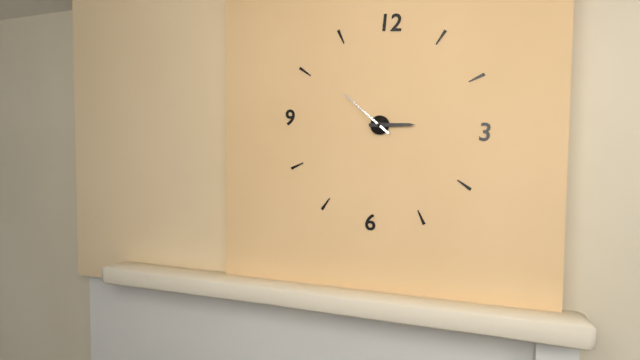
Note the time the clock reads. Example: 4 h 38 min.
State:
2 h 51 min
